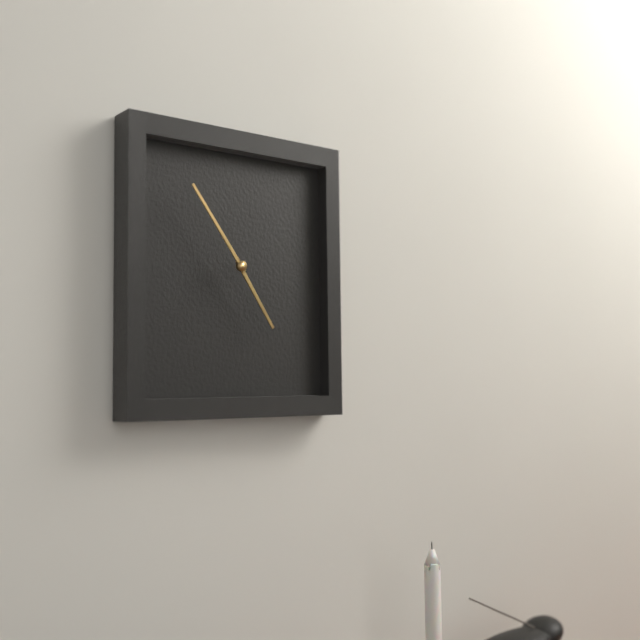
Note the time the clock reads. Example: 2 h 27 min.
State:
4 h 54 min
